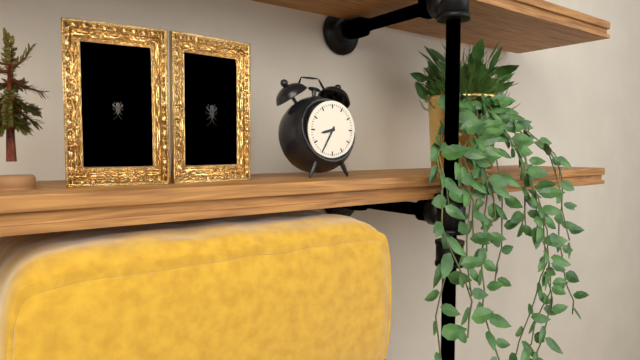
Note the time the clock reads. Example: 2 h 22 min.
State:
8 h 35 min
